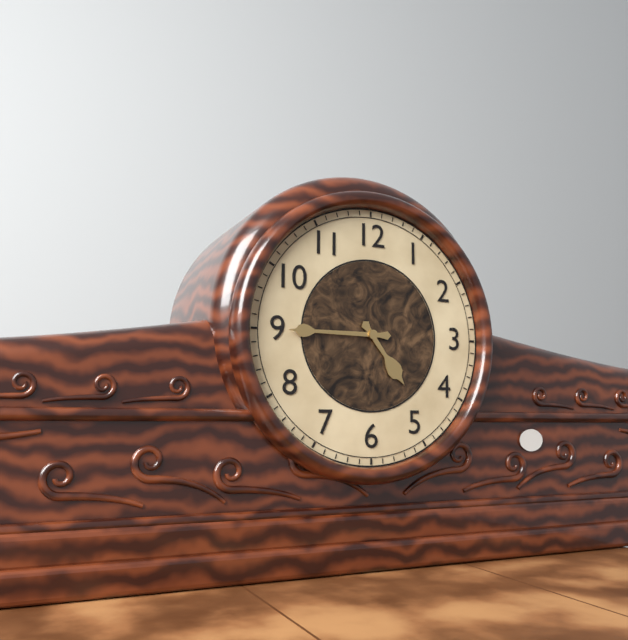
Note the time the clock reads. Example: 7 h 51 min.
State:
4 h 45 min
